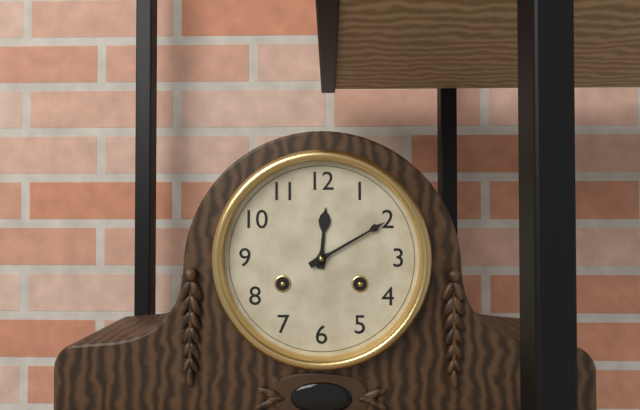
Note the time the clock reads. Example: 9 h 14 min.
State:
12 h 10 min
